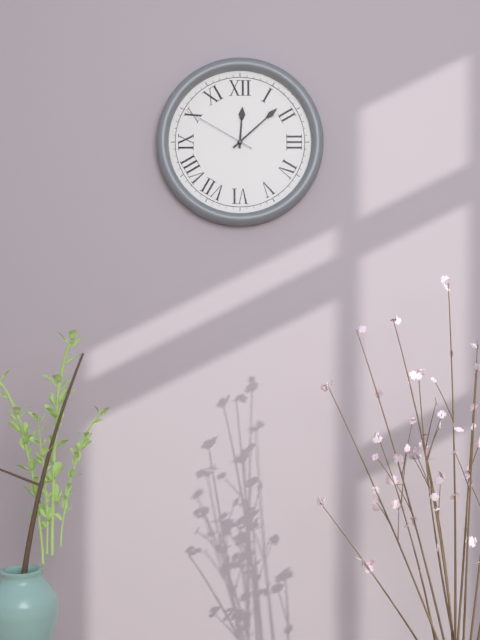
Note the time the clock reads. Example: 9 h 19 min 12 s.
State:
12 h 08 min 50 s
